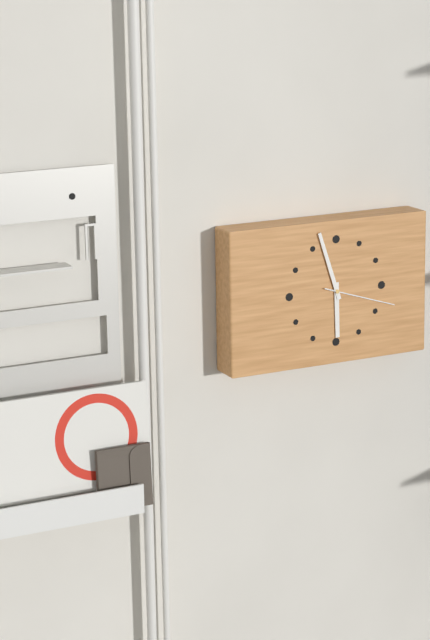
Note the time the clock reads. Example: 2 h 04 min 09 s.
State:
5 h 57 min 18 s
